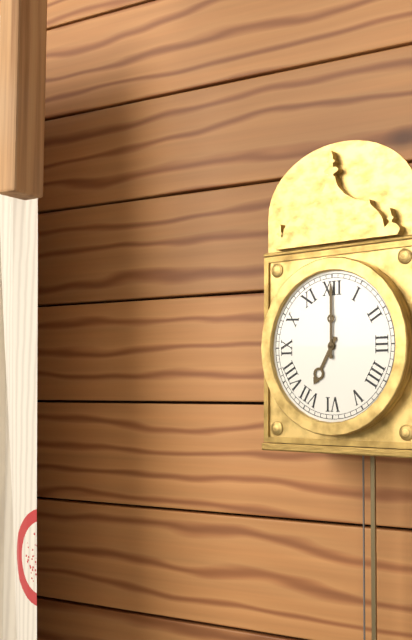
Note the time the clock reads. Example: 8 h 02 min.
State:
7 h 00 min
